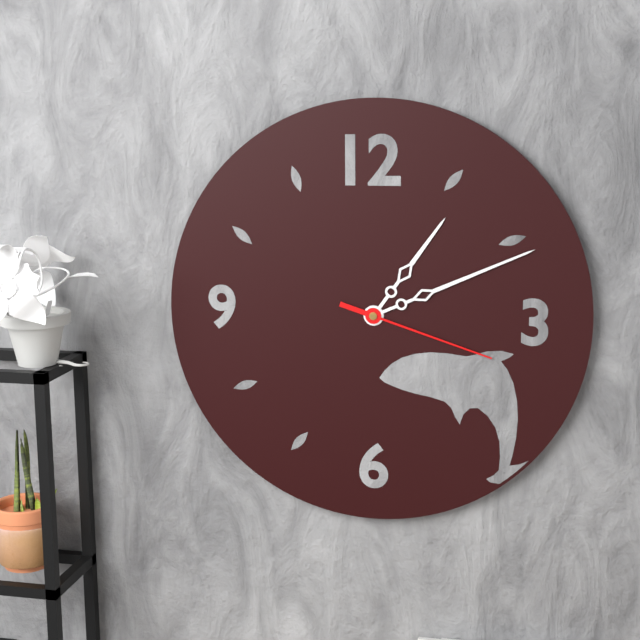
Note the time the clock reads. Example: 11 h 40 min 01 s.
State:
1 h 11 min 18 s
